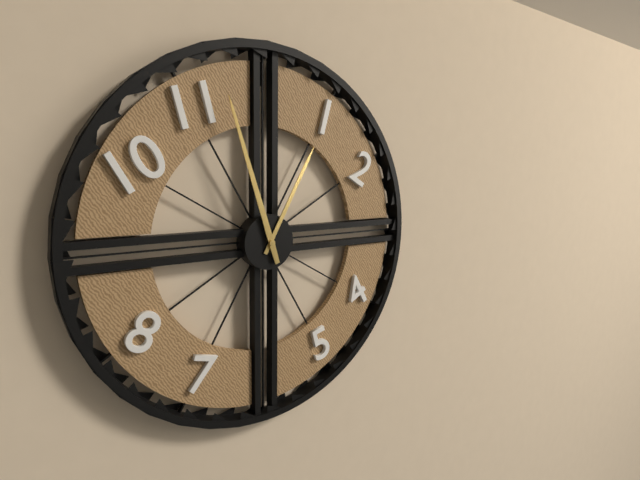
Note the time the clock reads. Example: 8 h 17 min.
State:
12 h 57 min
